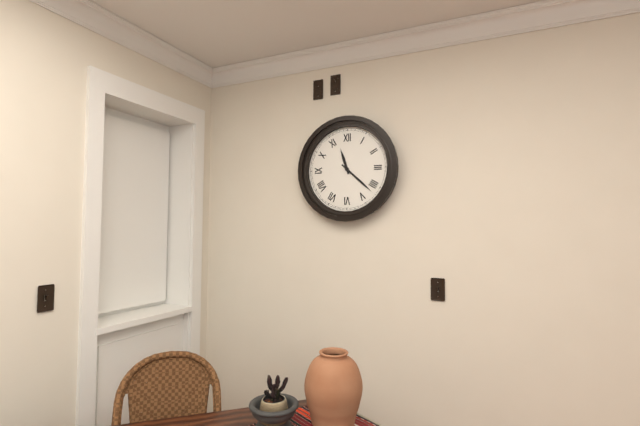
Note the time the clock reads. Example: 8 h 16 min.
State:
11 h 22 min
